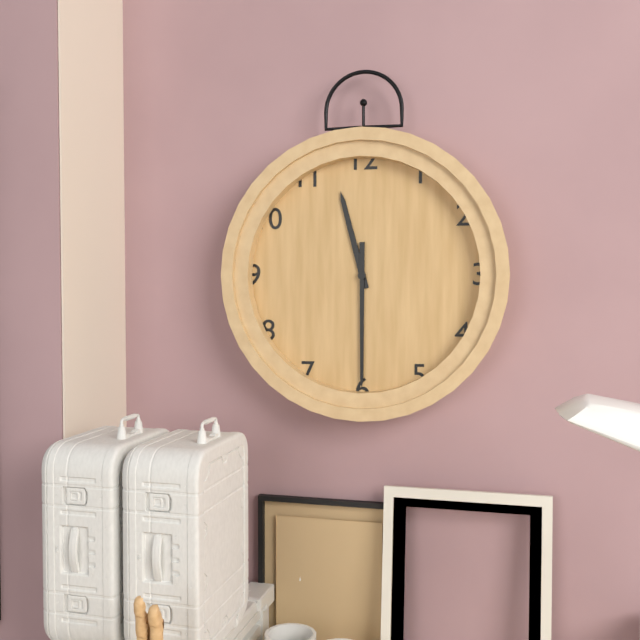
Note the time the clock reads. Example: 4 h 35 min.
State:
11 h 30 min
